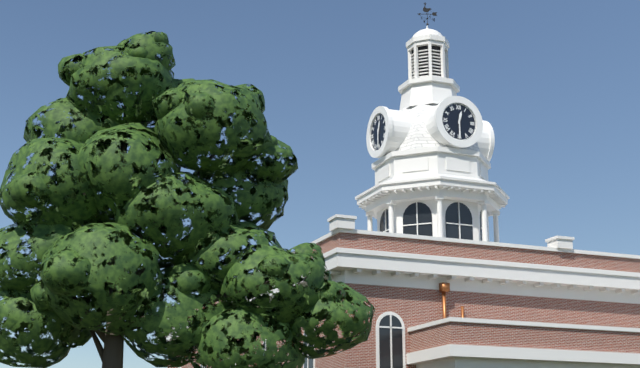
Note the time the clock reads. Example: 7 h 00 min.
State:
12 h 30 min
